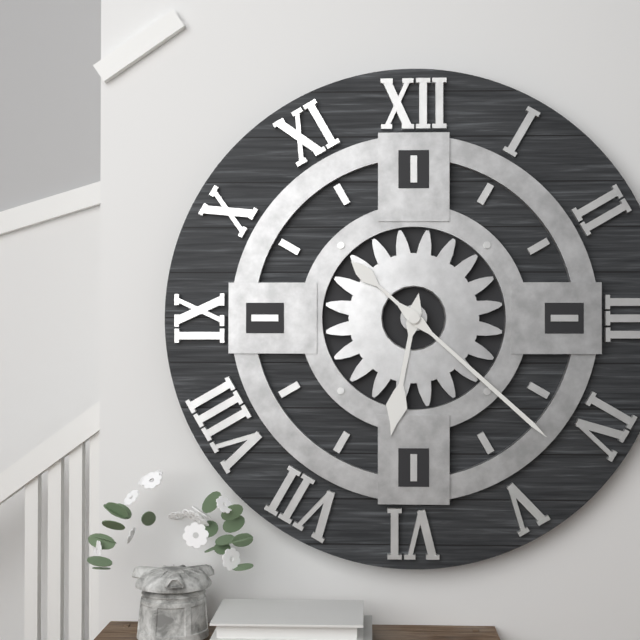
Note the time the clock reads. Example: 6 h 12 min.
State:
6 h 22 min
